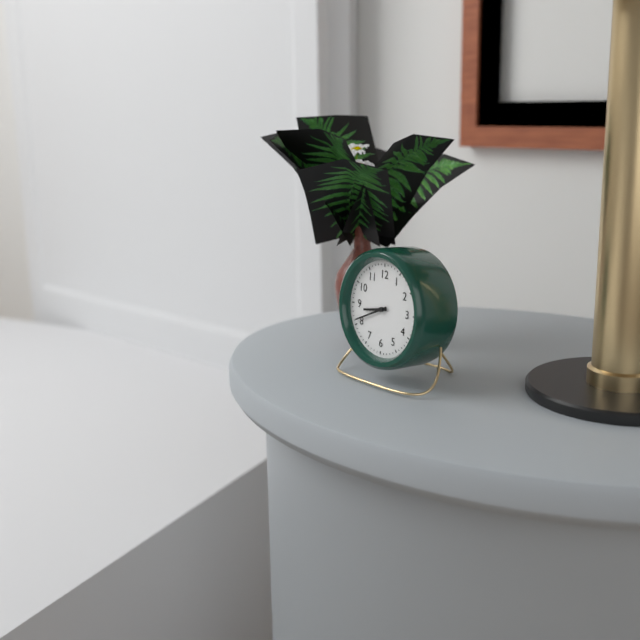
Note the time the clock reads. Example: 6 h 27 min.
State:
8 h 41 min
